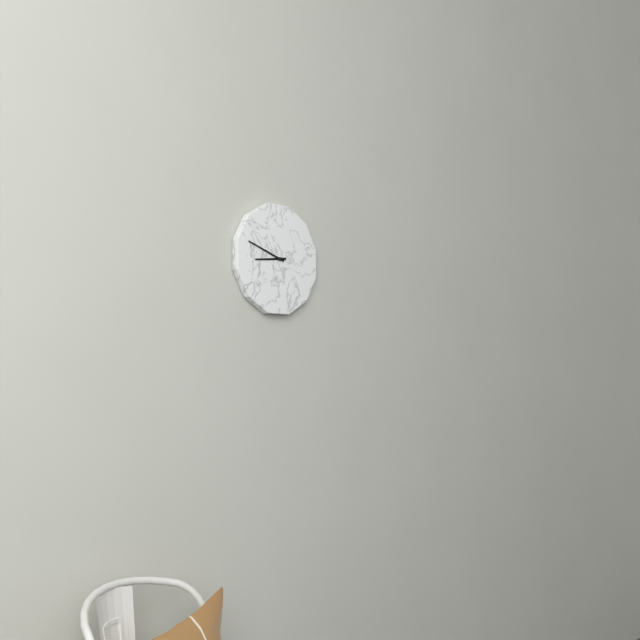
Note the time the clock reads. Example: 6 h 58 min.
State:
8 h 48 min
